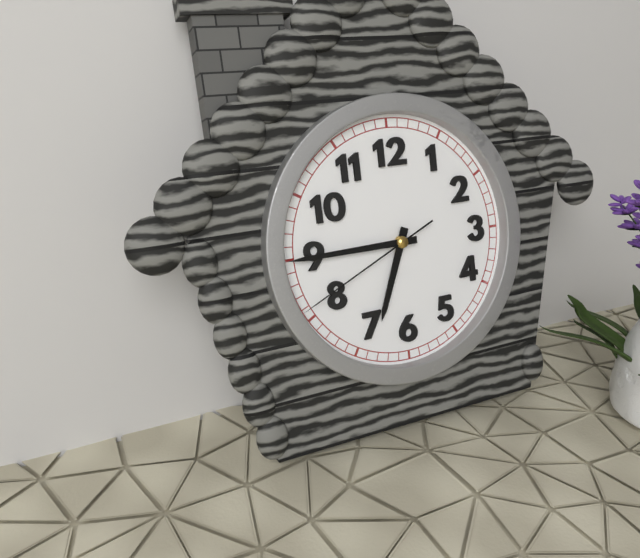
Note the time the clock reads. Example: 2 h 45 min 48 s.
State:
6 h 45 min 41 s
